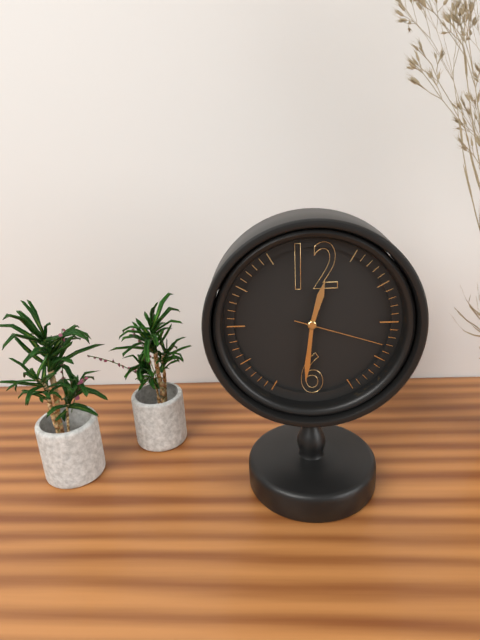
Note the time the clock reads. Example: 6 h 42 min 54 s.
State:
12 h 31 min 18 s
